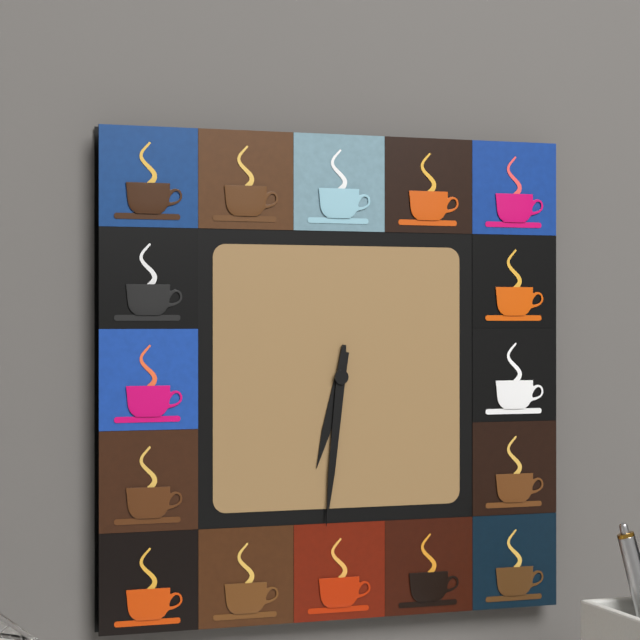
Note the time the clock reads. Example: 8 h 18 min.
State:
6 h 31 min
